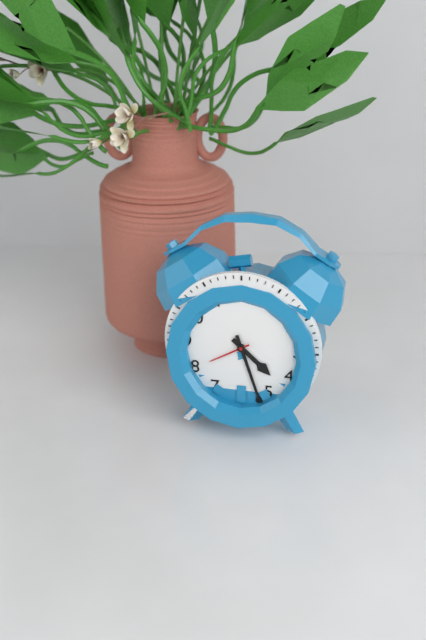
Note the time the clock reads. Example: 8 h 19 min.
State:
4 h 27 min
